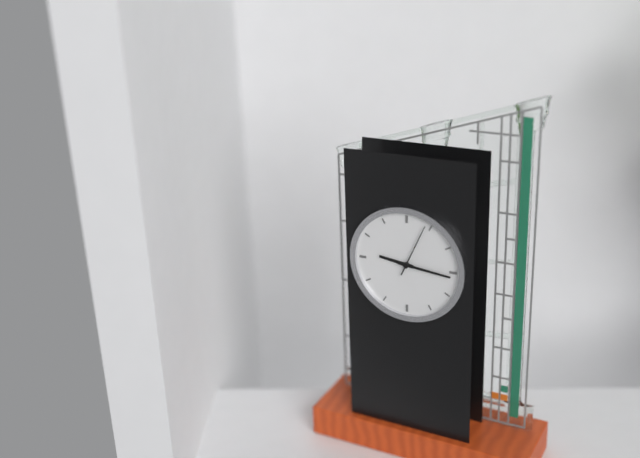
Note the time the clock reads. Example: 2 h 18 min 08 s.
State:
9 h 16 min 04 s
